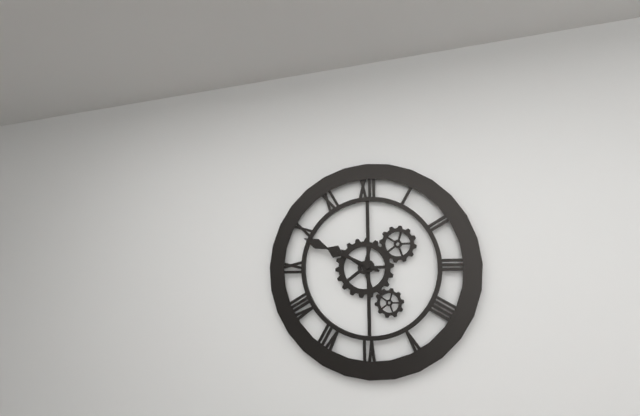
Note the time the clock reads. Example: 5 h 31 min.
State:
9 h 49 min
